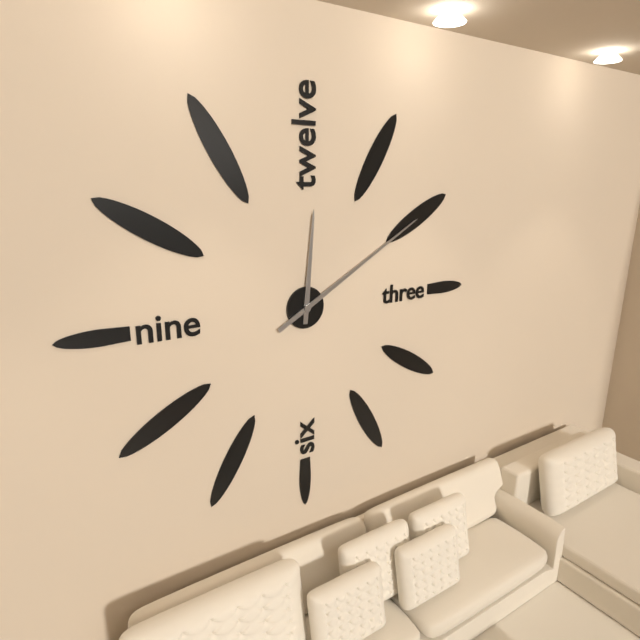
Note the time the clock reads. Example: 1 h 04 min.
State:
12 h 10 min
